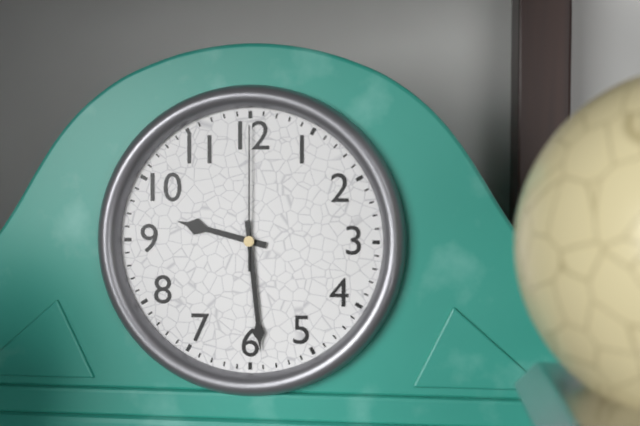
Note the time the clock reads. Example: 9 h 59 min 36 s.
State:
9 h 29 min 00 s
